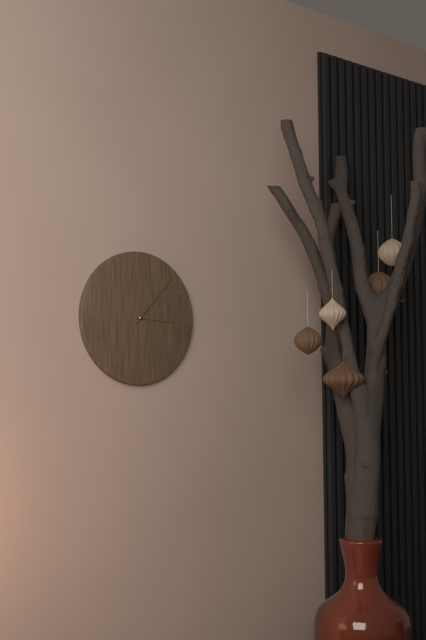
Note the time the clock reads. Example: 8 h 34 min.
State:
3 h 07 min
